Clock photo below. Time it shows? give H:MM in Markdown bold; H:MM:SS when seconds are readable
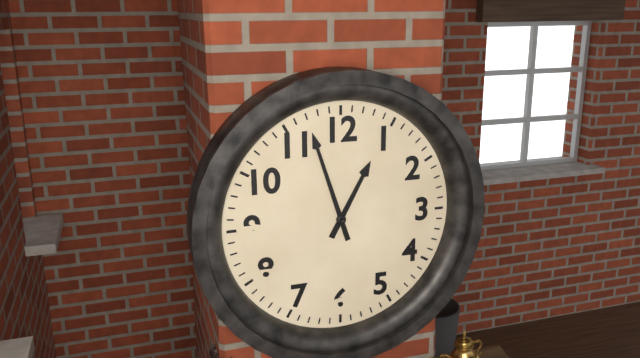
**12:57**
